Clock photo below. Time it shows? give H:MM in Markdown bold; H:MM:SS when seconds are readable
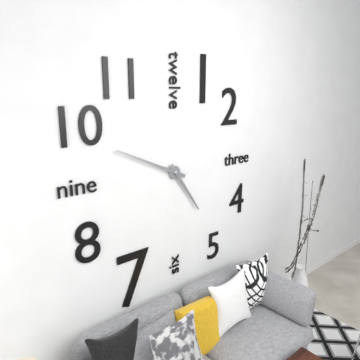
**4:49**
